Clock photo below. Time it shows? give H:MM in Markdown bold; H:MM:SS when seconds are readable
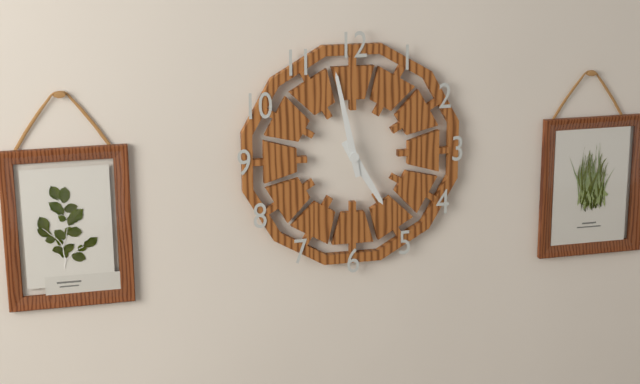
**4:58**
